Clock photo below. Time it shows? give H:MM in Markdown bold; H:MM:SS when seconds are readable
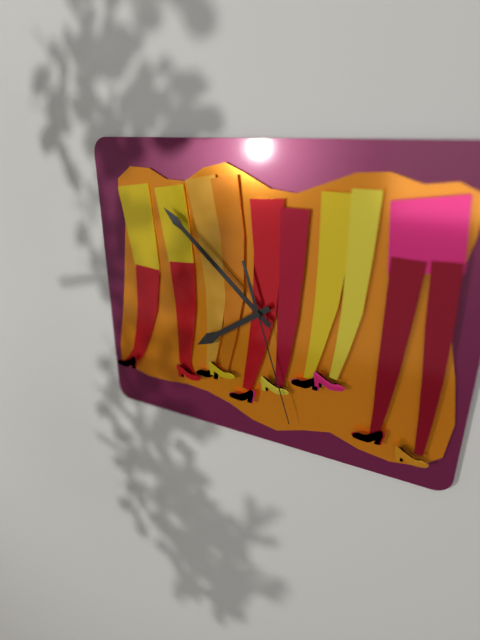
**7:52:27**
